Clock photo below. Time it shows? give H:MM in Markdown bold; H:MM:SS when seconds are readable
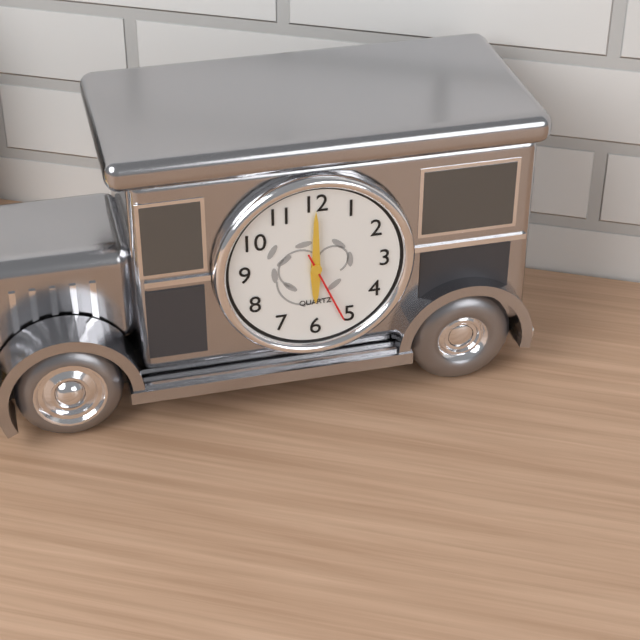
**6:00:26**
